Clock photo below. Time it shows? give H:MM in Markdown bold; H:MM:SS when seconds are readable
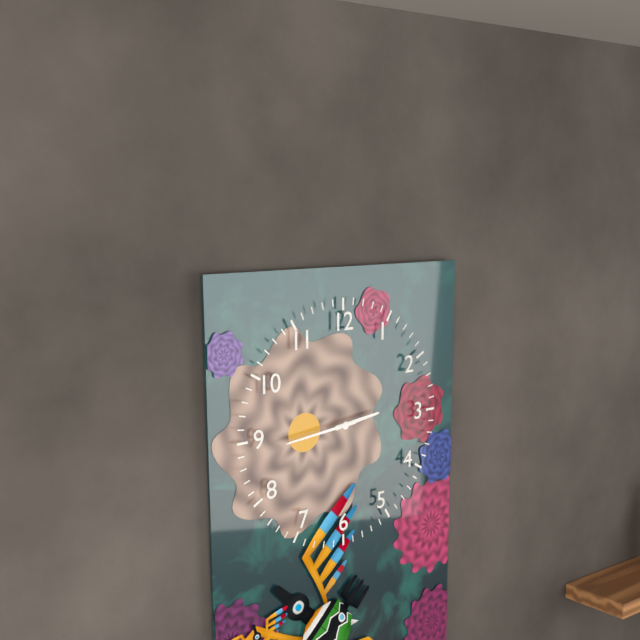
**2:44**
